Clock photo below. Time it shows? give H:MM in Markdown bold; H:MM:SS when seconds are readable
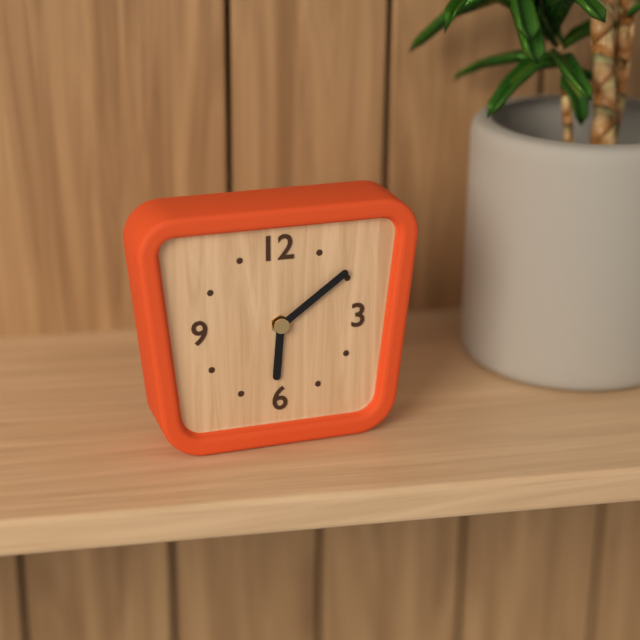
**6:09**
